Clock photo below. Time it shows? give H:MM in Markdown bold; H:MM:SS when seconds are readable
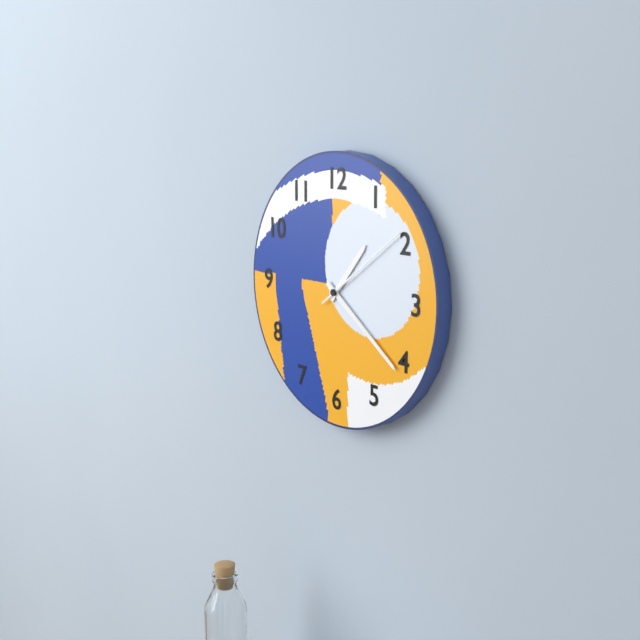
**1:21:09**
